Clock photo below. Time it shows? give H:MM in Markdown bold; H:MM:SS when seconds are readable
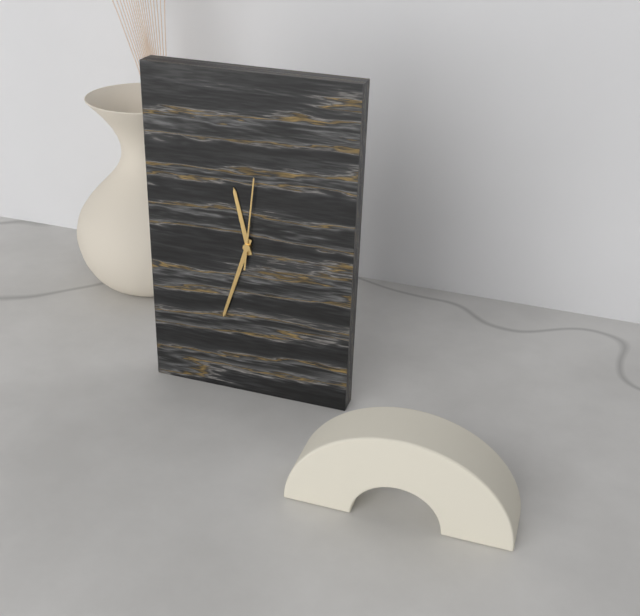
**11:33:01**
